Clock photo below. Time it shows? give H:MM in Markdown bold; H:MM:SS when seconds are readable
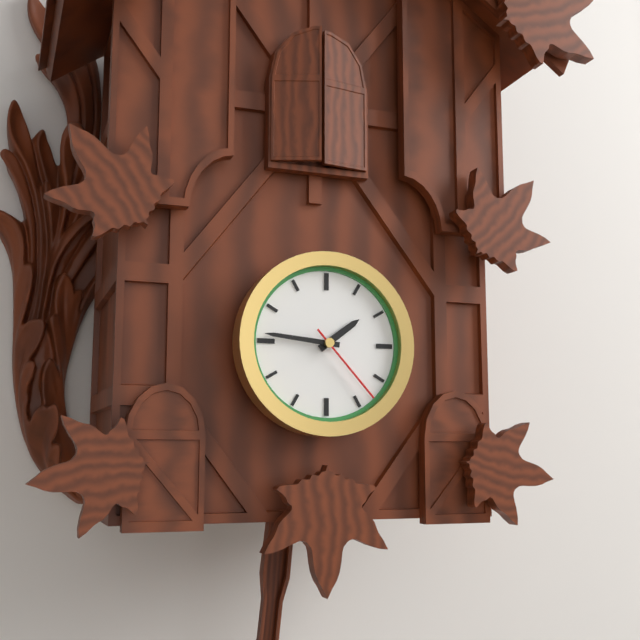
**1:46:23**
